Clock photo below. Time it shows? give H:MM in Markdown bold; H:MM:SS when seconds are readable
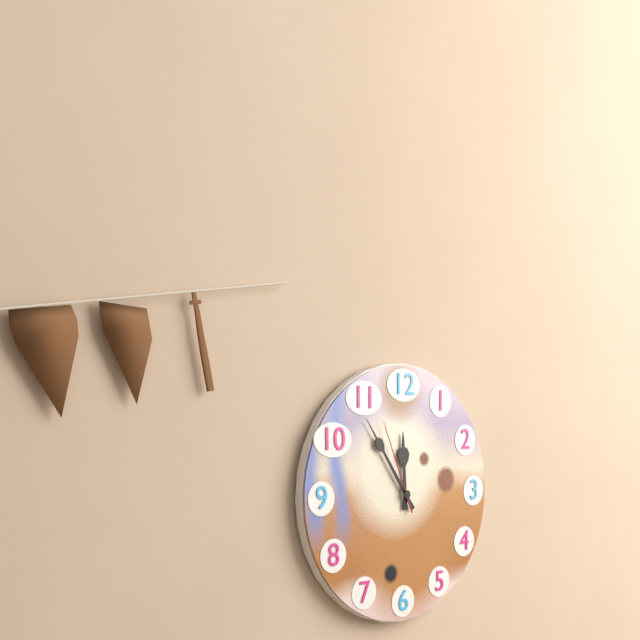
**11:54:56**
